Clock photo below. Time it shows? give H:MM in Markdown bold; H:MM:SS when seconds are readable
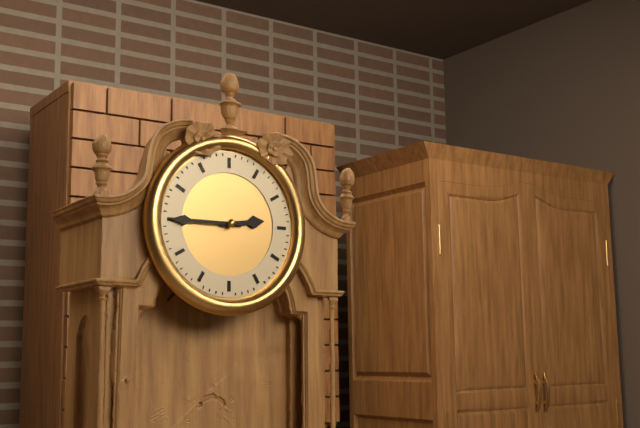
**2:45**
